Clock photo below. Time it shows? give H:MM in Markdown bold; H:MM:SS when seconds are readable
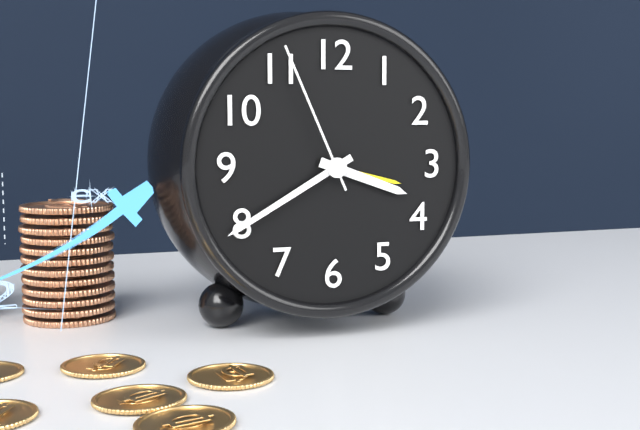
**3:40:56**
